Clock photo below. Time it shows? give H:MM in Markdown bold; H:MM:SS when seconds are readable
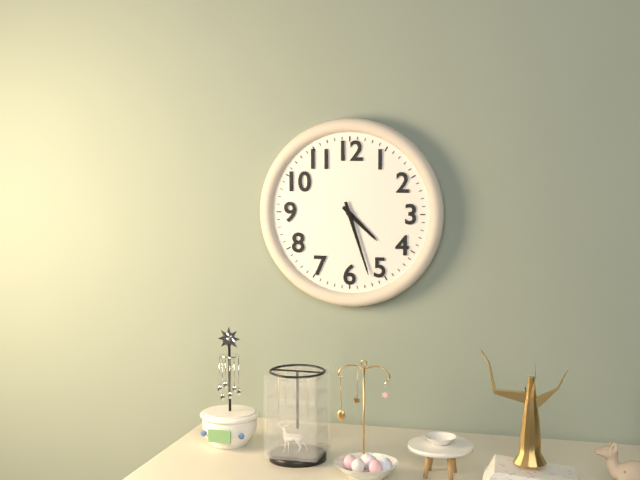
**4:27**
